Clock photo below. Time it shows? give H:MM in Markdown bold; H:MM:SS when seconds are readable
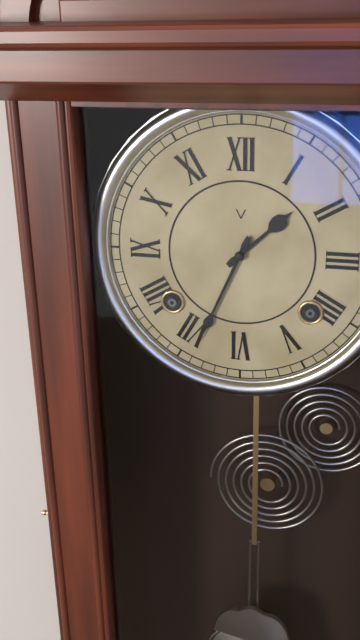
**1:34**
